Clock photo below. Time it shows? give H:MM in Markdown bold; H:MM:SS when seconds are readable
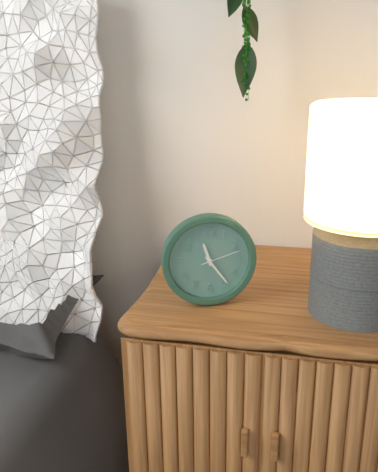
**11:24**
